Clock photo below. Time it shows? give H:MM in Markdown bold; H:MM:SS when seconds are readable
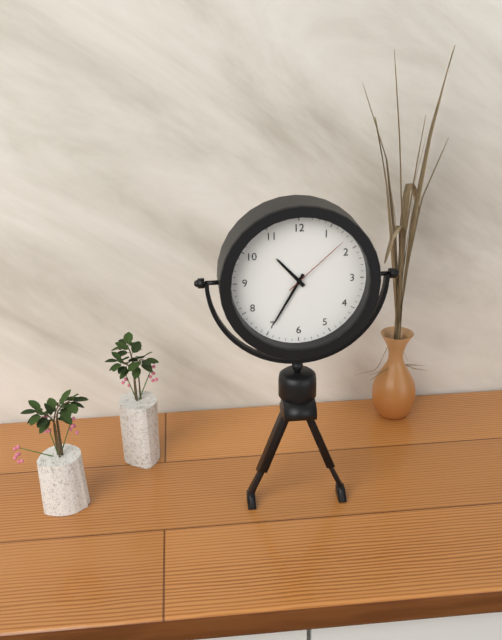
**10:35:08**
